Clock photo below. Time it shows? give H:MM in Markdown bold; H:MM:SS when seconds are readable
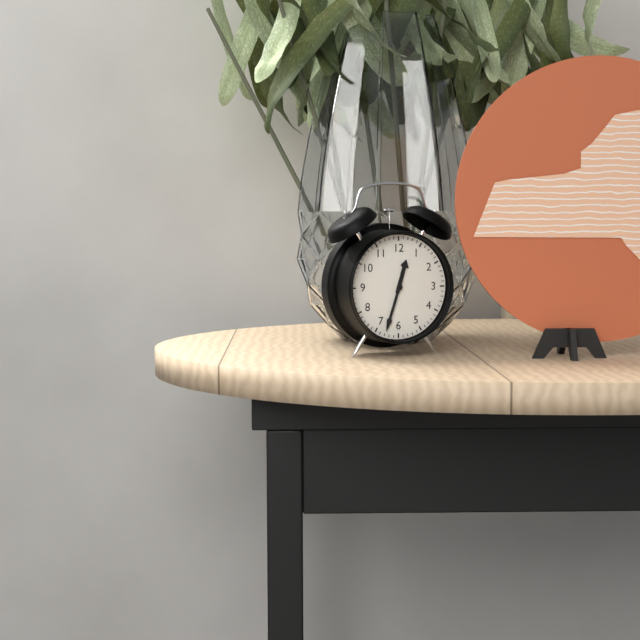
**12:33**
